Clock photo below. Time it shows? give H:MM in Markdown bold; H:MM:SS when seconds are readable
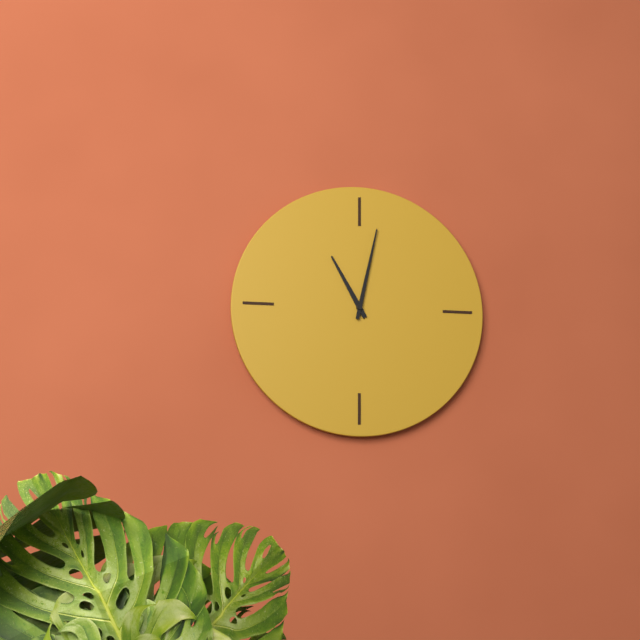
**11:02**
